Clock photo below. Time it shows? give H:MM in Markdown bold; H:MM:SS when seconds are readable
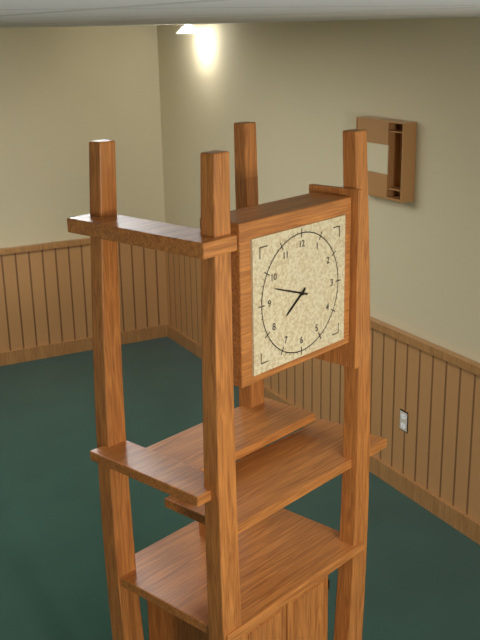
**7:48**
